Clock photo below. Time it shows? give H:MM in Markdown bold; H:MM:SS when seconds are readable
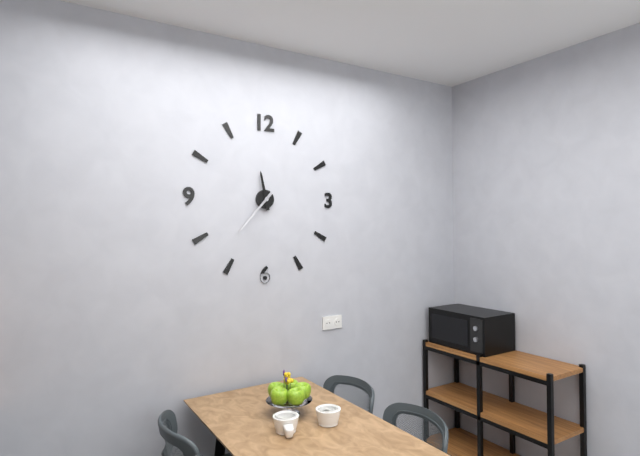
**11:37**
